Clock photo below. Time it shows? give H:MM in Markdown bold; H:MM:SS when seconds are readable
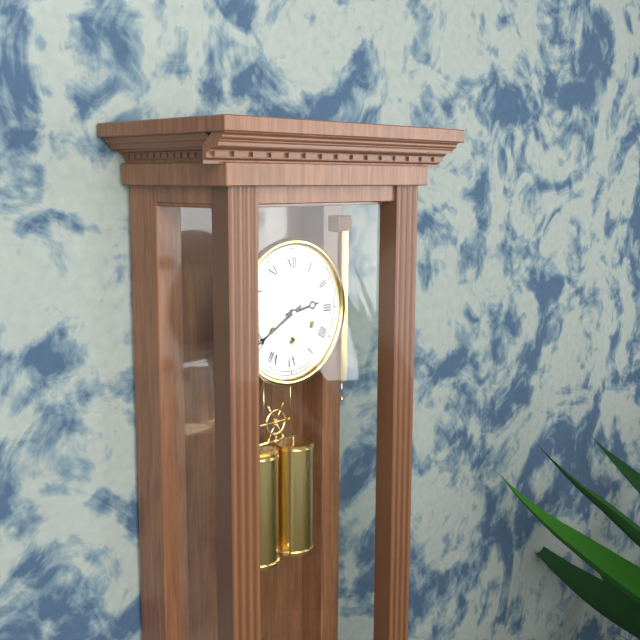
**2:40**
